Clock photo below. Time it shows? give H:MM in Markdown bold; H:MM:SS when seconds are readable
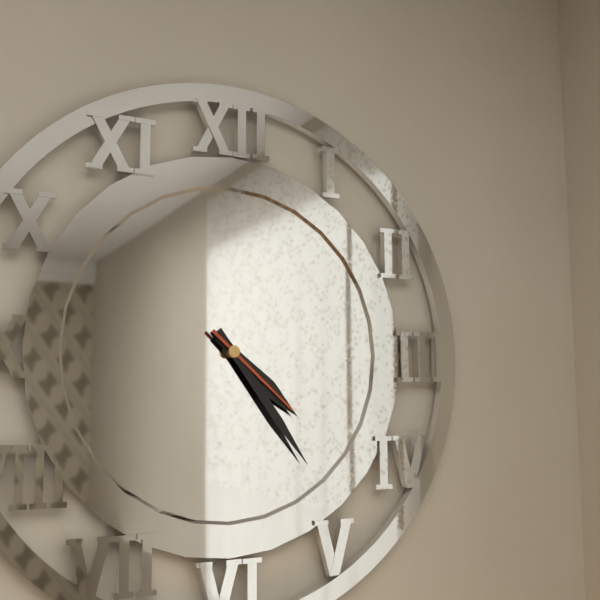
**4:24:22**
